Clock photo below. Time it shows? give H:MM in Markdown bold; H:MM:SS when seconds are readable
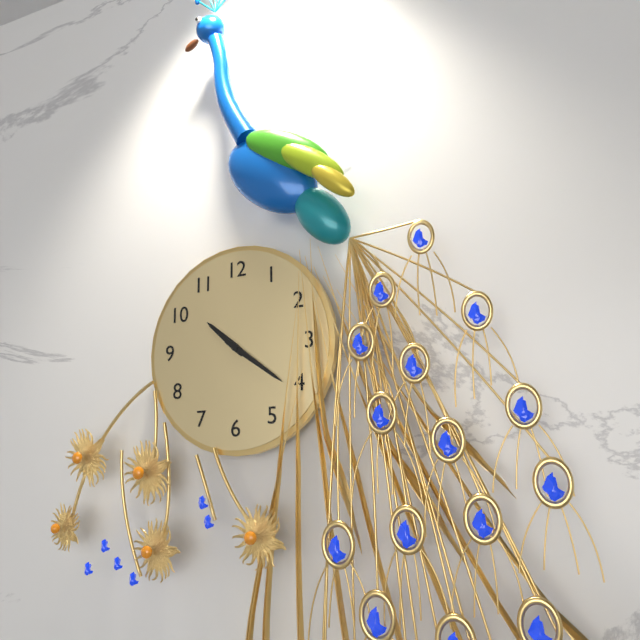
**10:21**
